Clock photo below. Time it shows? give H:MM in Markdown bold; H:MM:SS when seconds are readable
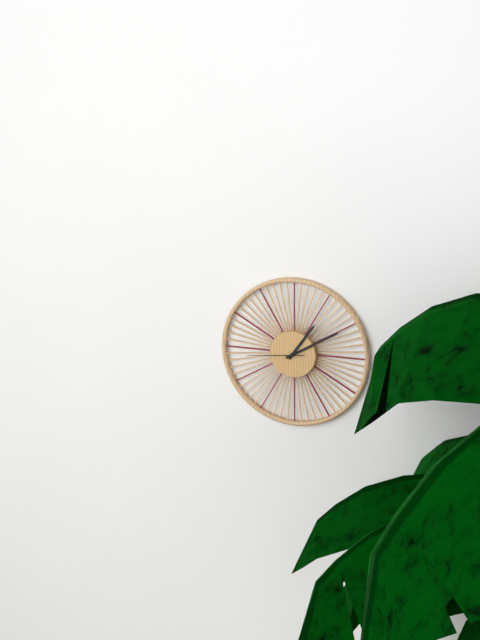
**1:10:44**
